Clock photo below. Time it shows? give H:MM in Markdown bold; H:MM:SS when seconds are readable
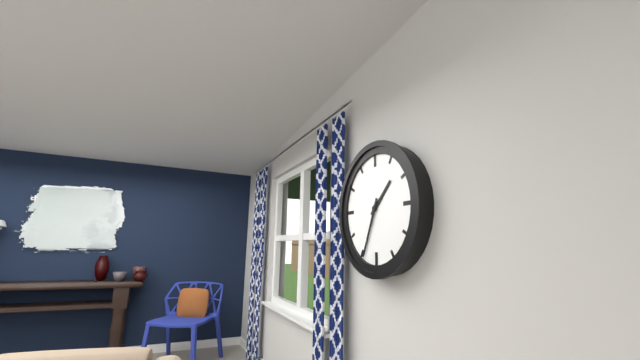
**1:34**
